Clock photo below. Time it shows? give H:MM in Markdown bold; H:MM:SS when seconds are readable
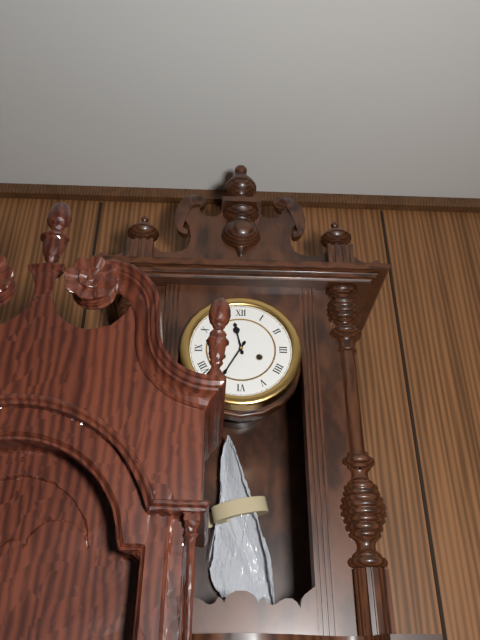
**11:35**
